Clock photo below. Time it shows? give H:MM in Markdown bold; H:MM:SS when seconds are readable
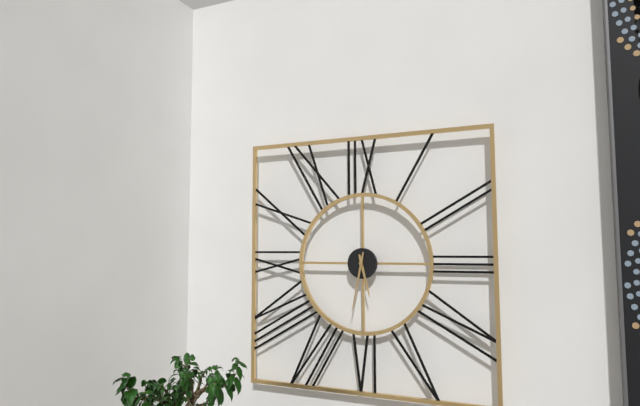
**5:32**
